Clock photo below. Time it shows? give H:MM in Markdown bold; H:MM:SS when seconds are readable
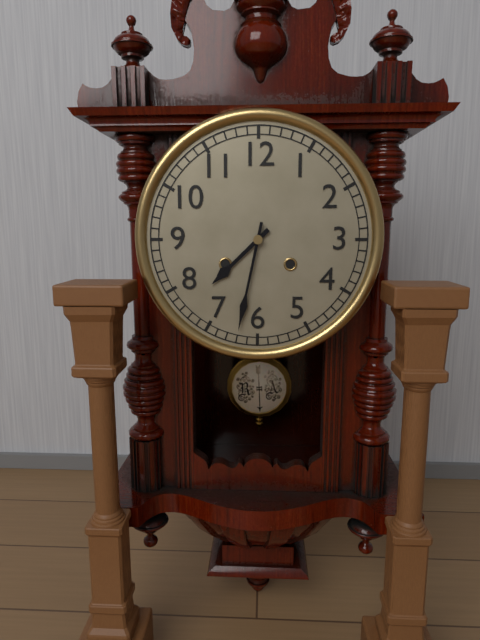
**7:32**
